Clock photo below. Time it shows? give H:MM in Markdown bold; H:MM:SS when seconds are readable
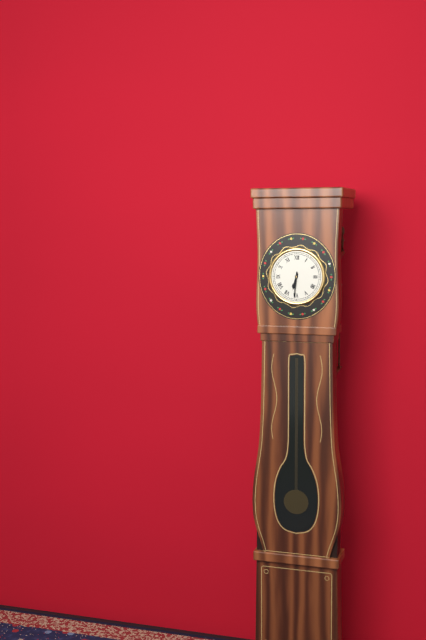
**6:31**
